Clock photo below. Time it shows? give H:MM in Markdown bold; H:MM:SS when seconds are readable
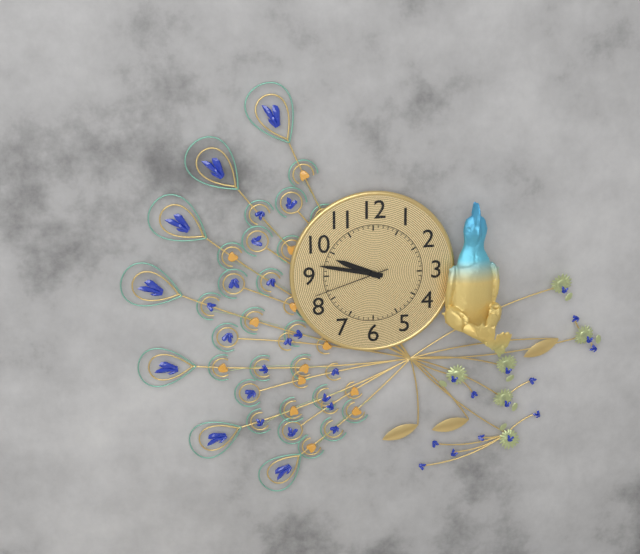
**9:47:42**
